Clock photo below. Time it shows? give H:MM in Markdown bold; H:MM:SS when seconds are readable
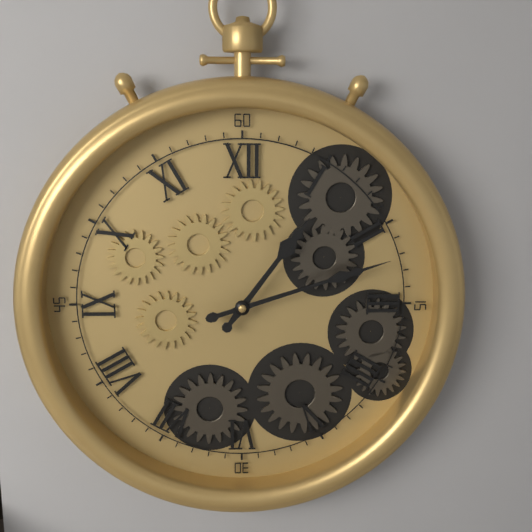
**1:12**
